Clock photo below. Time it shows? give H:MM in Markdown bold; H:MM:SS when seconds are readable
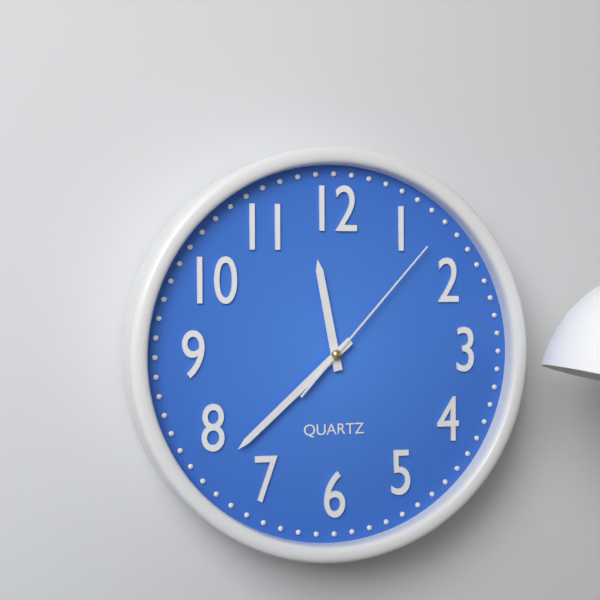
**11:38:07**
